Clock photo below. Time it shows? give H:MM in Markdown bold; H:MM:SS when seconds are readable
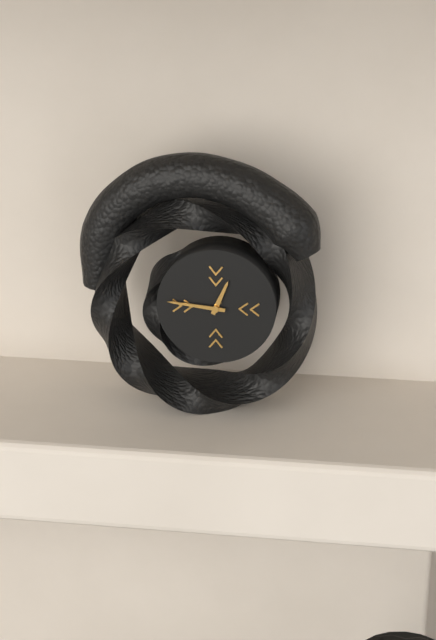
**12:46**
